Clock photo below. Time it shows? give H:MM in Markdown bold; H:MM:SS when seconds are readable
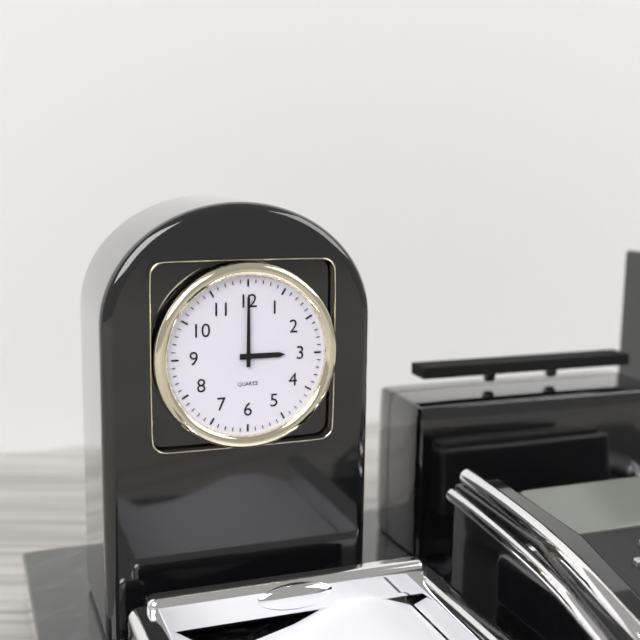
**3:00**
